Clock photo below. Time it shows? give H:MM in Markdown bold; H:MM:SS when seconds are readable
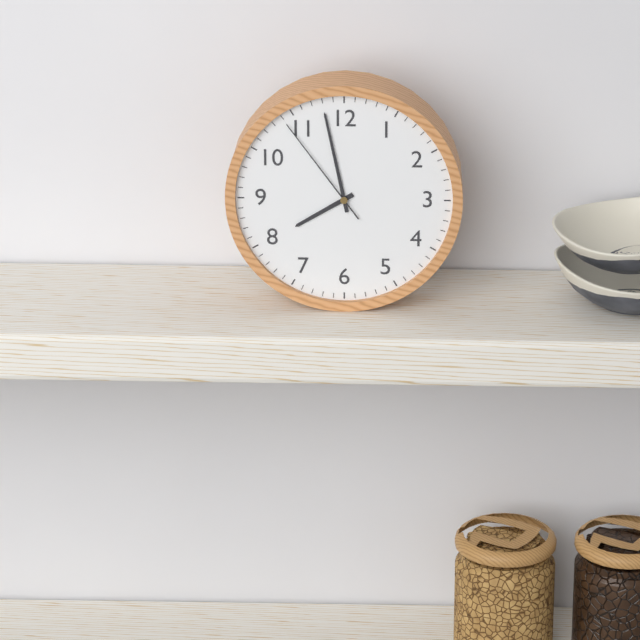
**7:58:54**
